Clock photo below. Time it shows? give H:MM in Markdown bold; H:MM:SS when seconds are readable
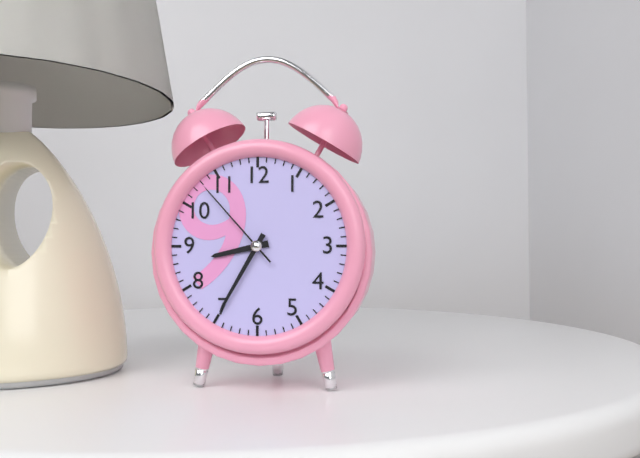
**8:35:53**
